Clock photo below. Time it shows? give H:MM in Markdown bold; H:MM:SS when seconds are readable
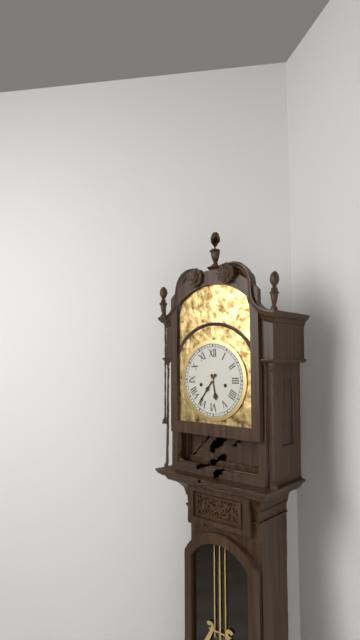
**5:36**
